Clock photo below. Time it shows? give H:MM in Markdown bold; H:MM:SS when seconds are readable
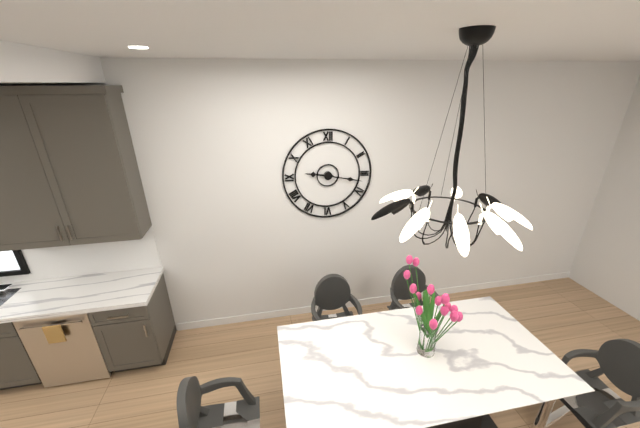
**9:17**
